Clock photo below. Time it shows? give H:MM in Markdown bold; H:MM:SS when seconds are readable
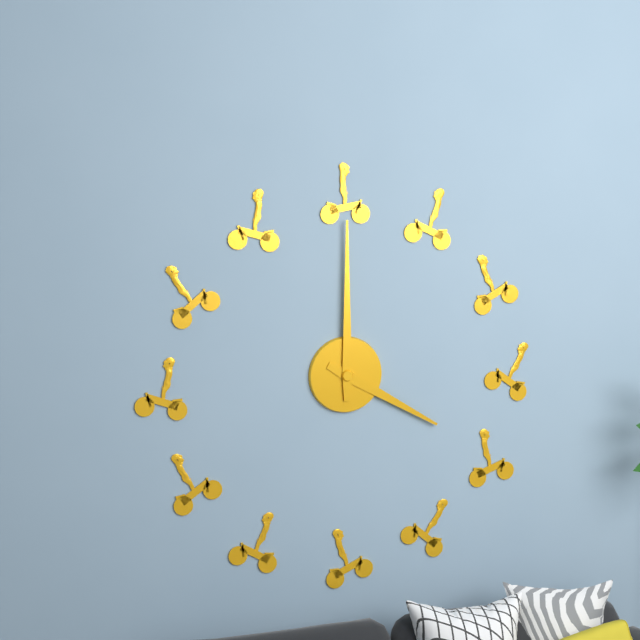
**4:00**
